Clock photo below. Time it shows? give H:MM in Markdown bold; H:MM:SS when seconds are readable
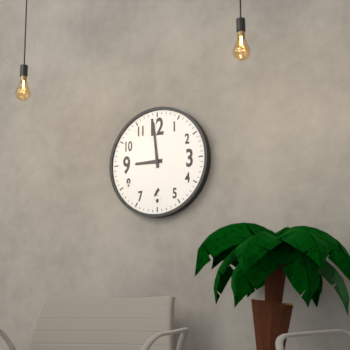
**8:59**
